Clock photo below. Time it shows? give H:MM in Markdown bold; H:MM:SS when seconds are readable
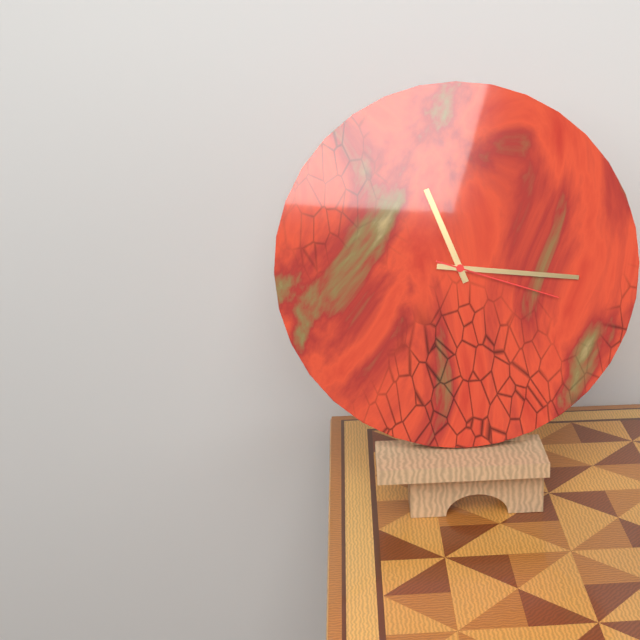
**11:16:18**
